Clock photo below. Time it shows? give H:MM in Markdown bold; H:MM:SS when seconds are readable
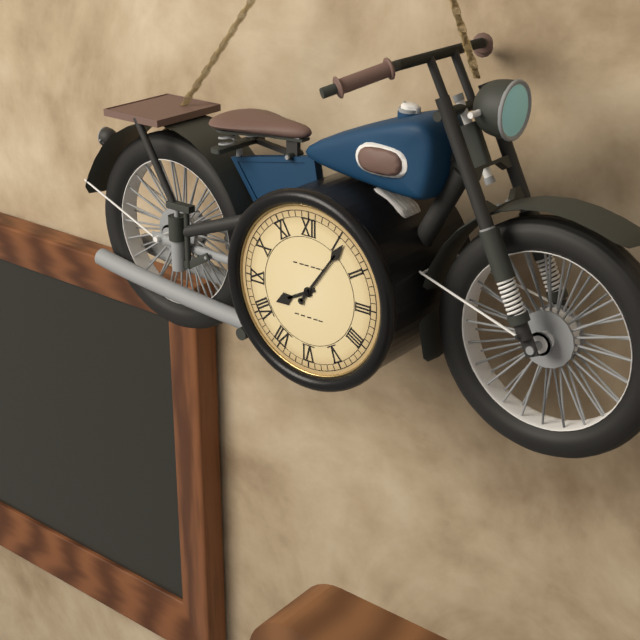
**8:06**
